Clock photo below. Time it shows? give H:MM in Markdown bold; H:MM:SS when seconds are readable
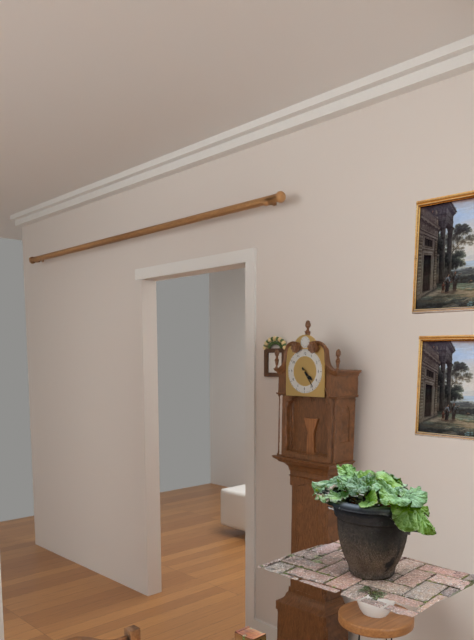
**4:24**
